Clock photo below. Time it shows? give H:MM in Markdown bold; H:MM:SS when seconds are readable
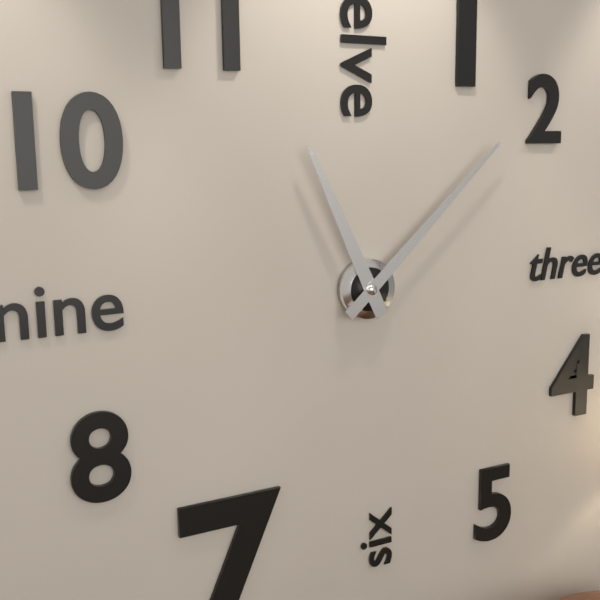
**11:08**
